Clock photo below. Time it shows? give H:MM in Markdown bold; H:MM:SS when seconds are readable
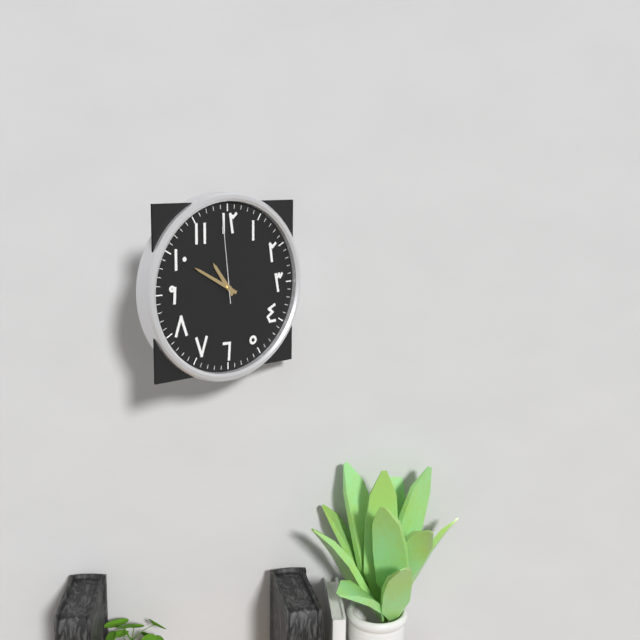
**10:50:59**
